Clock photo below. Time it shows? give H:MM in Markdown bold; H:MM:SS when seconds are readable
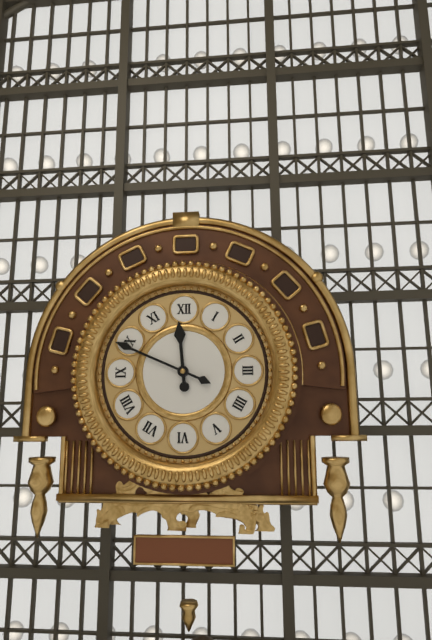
**11:49**
